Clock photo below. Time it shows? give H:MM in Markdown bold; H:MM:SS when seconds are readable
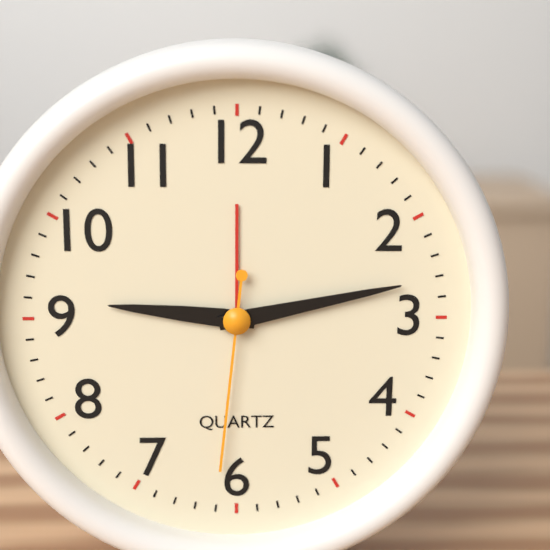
**9:13:31**
